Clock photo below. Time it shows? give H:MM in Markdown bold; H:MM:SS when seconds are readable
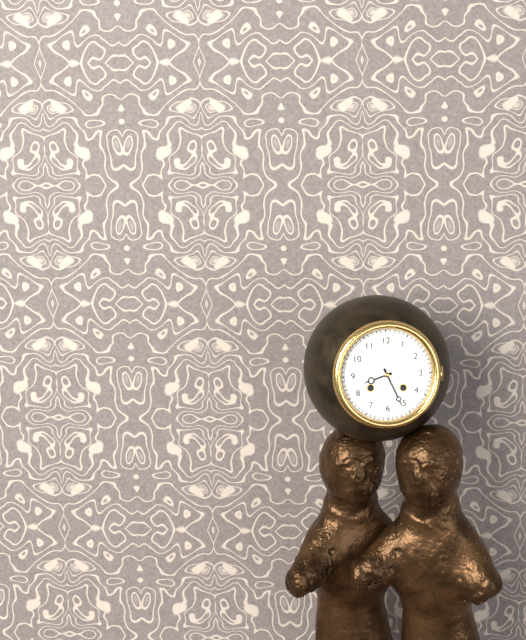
**8:26**
